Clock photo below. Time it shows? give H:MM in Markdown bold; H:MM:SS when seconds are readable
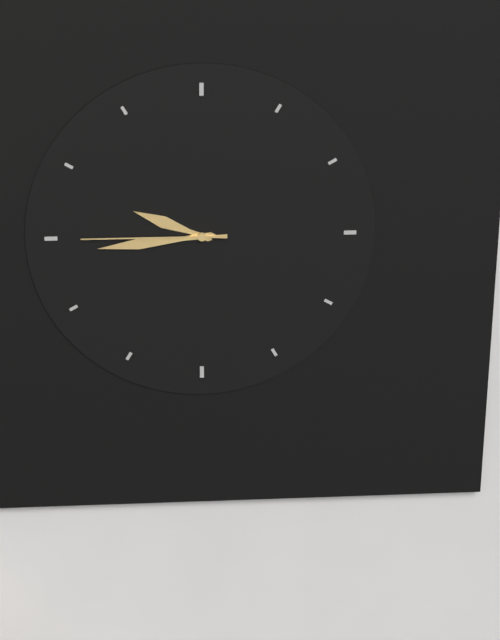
**9:44:45**
